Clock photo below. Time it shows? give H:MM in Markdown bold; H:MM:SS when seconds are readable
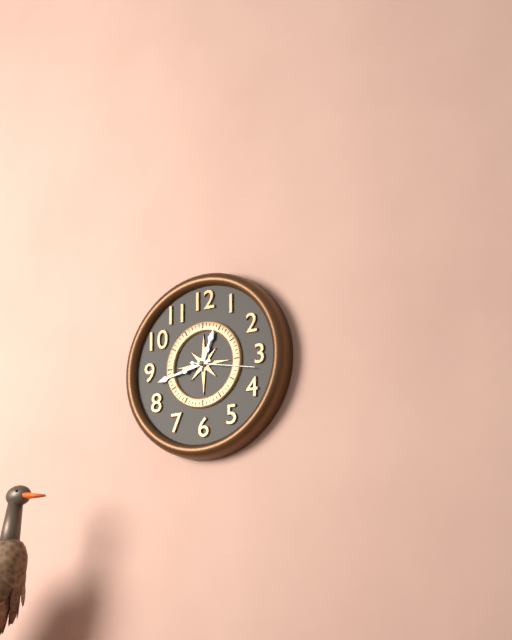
**12:43:17**
